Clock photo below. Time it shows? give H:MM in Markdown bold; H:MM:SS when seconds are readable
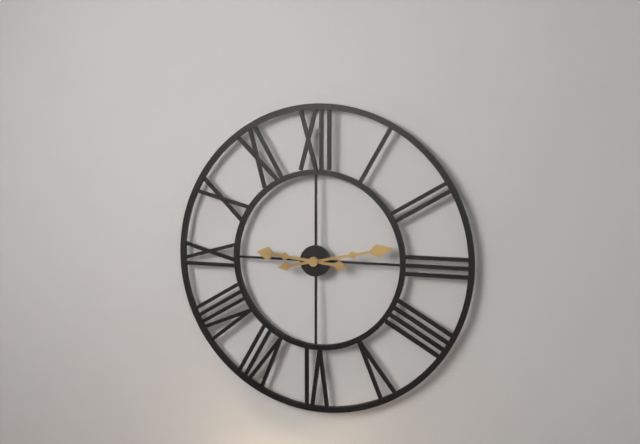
**9:13**
